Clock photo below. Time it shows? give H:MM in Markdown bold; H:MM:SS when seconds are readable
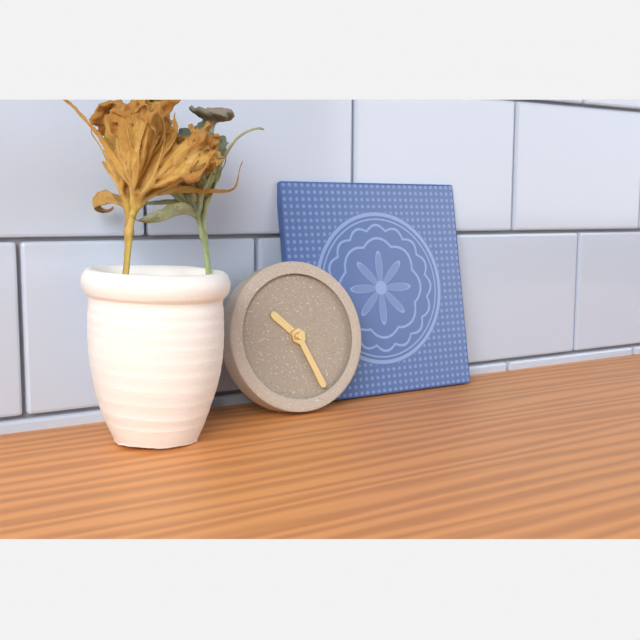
**10:26**
